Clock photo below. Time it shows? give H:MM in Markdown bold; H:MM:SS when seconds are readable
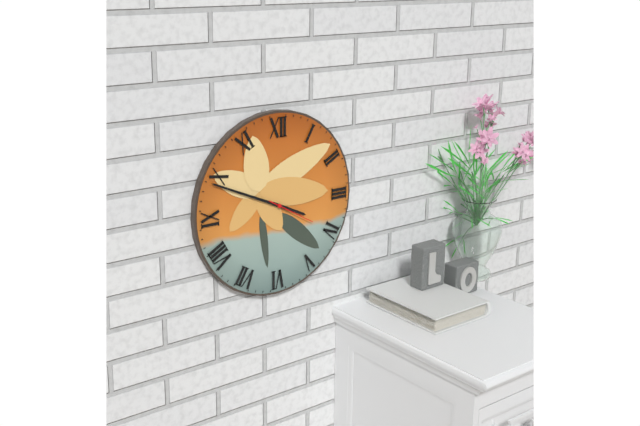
**3:49**
